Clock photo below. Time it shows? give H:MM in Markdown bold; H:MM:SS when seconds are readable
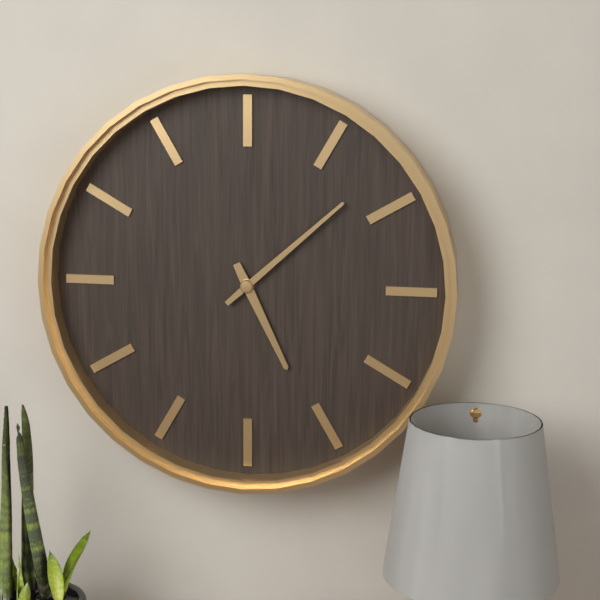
**5:08**
